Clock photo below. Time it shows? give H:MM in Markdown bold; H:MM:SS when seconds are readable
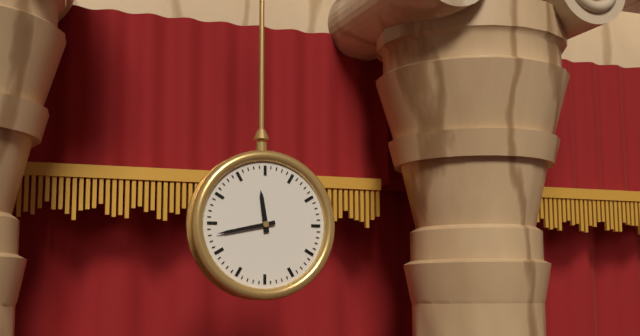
**11:43**
